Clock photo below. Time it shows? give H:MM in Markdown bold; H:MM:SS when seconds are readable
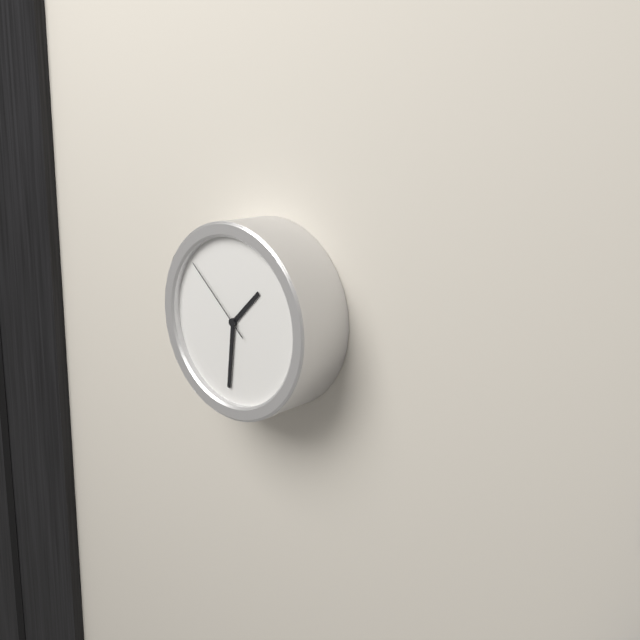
**1:31:52**
